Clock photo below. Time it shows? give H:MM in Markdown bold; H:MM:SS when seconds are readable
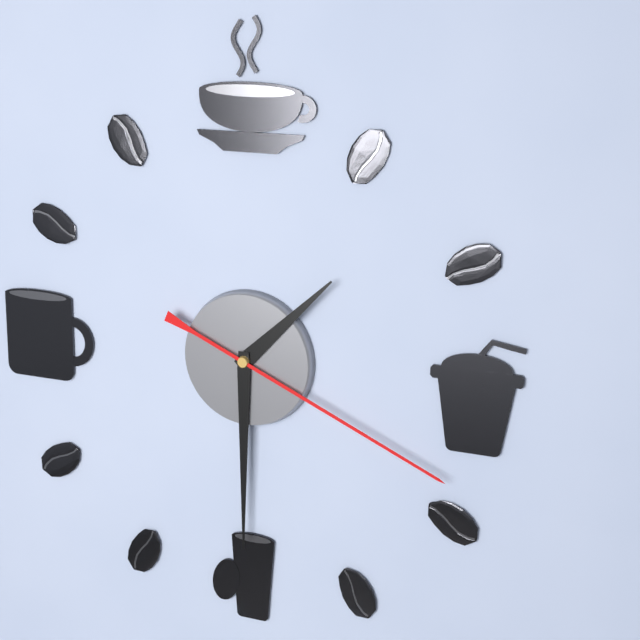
**1:30:19**
